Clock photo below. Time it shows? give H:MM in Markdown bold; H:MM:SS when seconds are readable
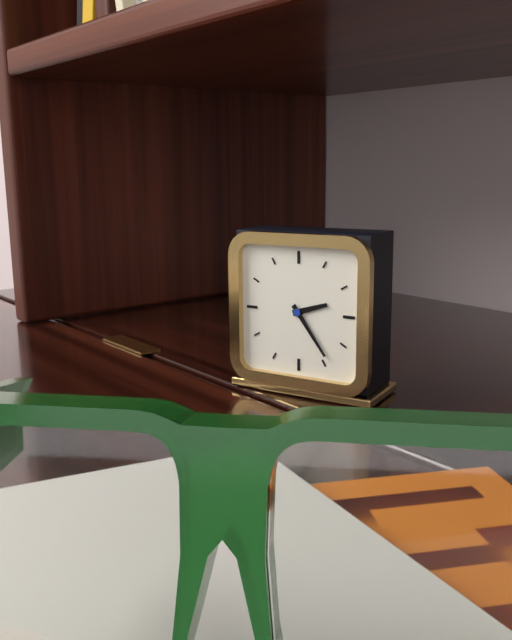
**2:24**
